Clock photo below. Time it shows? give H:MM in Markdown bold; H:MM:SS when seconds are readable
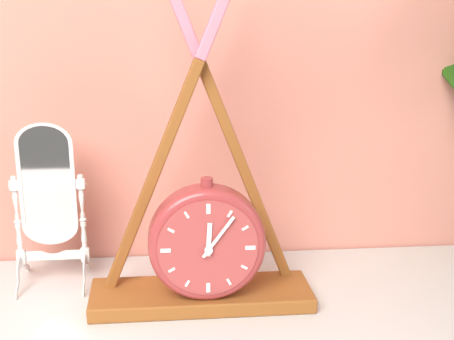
**12:06**
